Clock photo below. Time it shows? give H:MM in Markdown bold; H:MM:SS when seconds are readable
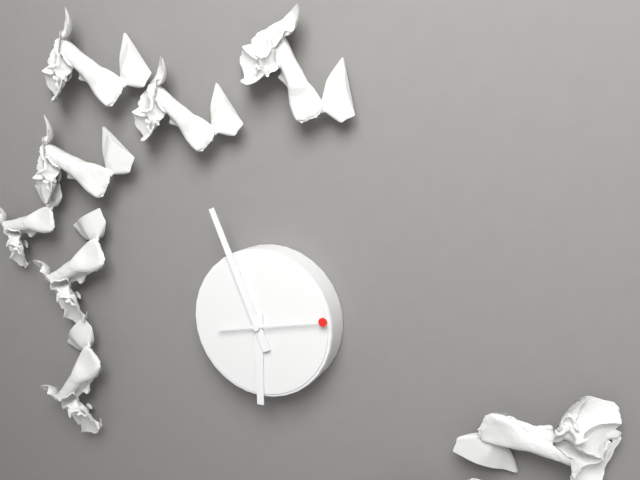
**5:56:13**
